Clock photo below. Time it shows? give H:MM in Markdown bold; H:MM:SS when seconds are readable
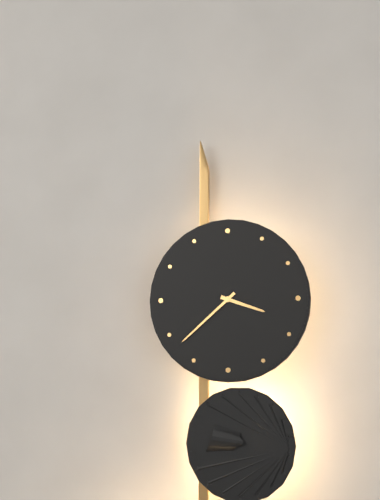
**3:38**
